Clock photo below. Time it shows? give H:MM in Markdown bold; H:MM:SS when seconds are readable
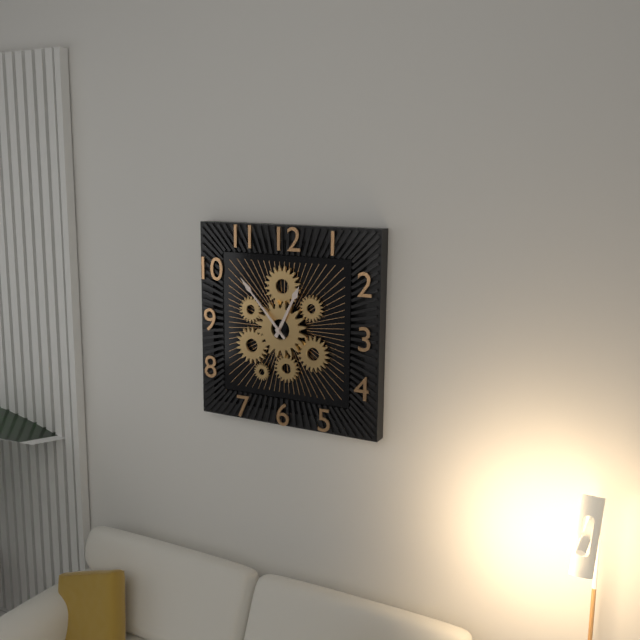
**12:53**
